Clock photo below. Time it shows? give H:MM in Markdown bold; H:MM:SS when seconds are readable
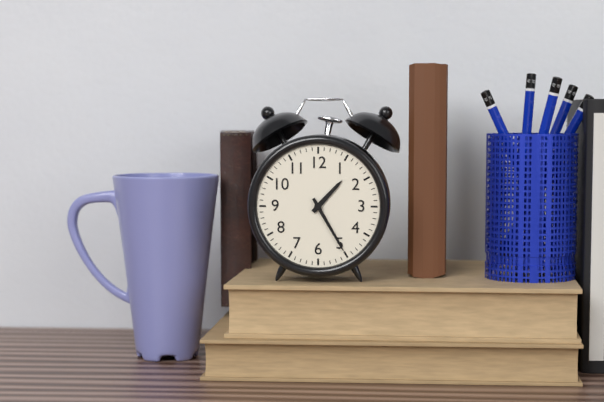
**1:25**
